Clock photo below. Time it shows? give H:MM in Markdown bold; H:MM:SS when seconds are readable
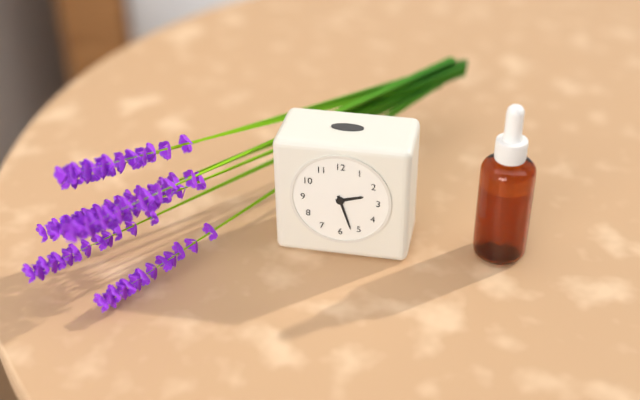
**2:27**
